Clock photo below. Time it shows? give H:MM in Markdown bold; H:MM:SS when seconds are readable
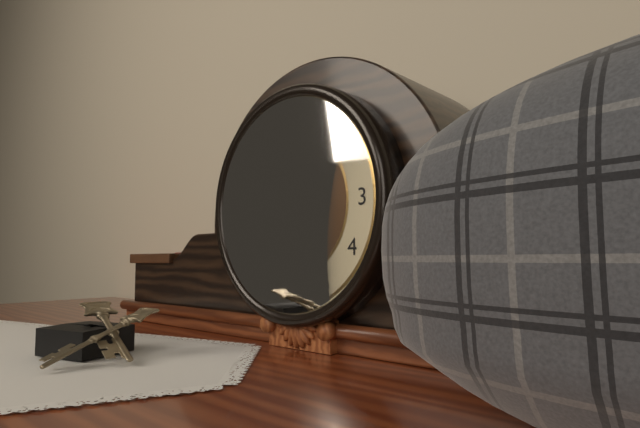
**12:39**
